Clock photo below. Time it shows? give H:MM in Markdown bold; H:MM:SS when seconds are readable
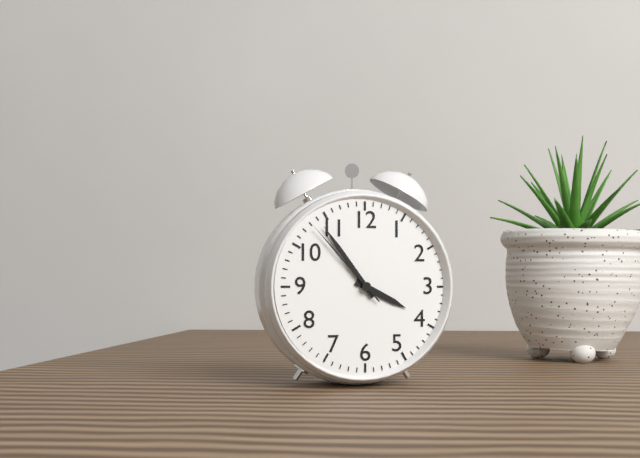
**3:54:53**
